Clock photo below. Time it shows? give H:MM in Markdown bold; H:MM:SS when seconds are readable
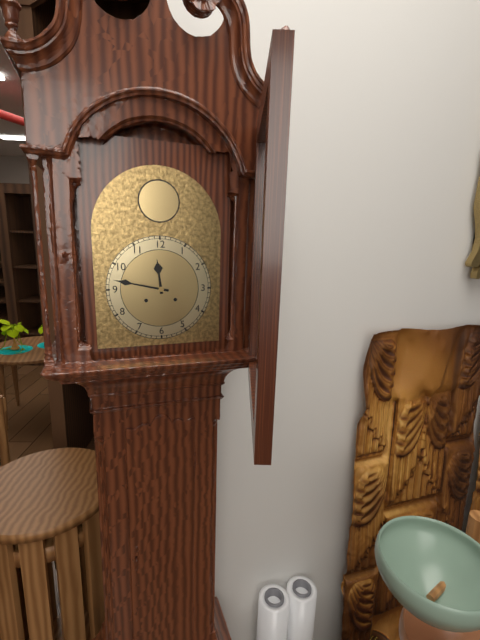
**11:47**
